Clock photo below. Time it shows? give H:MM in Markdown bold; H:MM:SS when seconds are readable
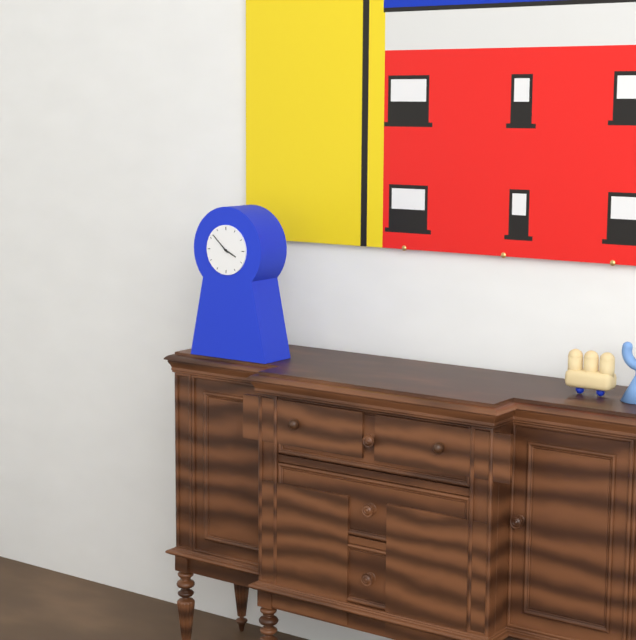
**3:52**
